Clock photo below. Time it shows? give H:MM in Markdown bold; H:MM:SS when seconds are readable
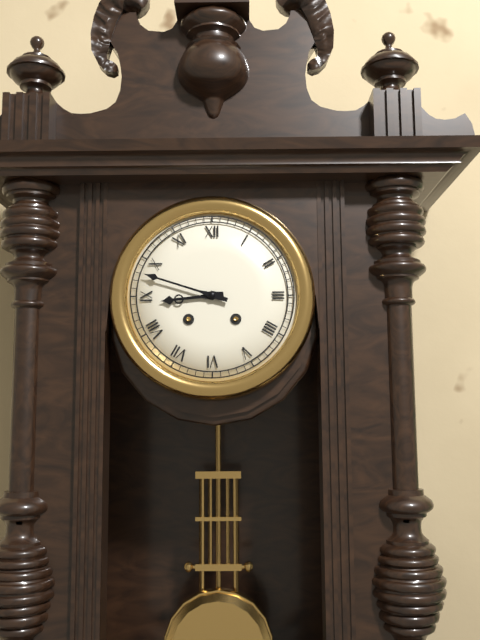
**8:48**
